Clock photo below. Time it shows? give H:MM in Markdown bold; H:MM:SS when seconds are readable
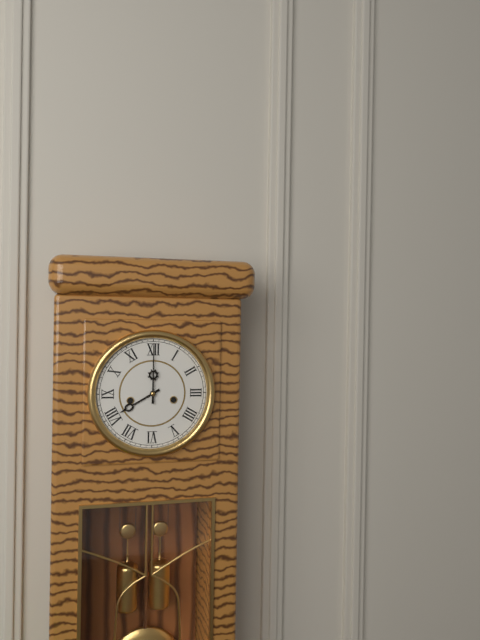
**8:00**
